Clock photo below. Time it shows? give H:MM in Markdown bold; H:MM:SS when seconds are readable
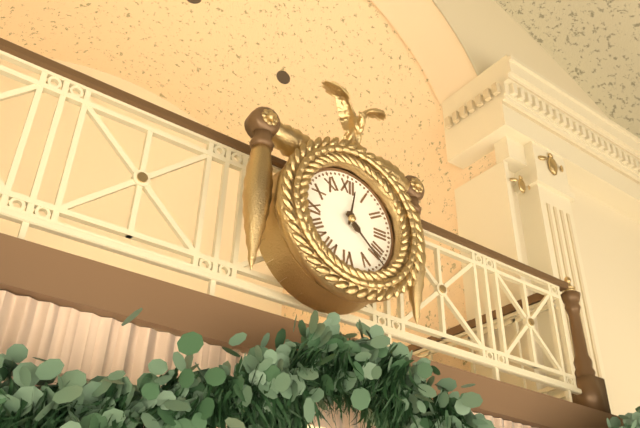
**12:22**
